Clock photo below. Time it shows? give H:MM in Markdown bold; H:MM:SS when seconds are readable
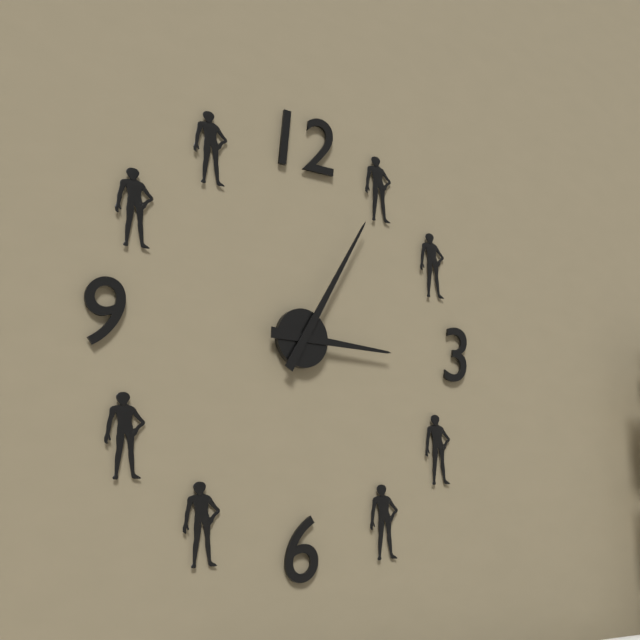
**3:05**
